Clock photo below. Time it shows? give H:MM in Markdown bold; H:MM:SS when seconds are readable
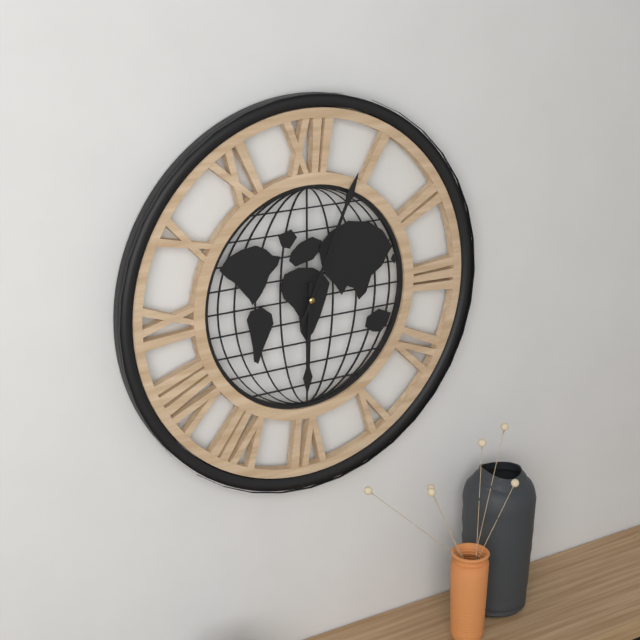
**6:04**
